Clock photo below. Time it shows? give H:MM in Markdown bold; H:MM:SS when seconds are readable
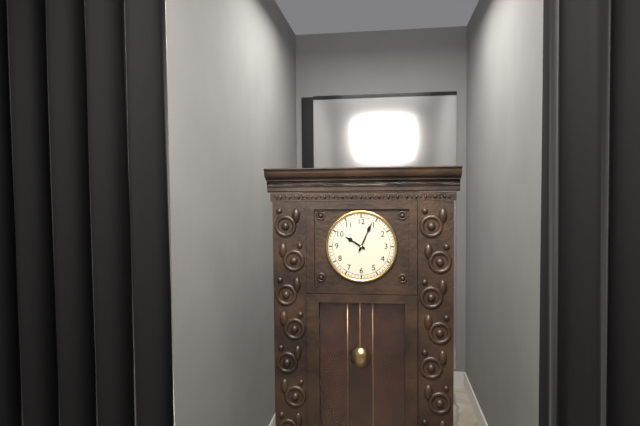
**10:04**
